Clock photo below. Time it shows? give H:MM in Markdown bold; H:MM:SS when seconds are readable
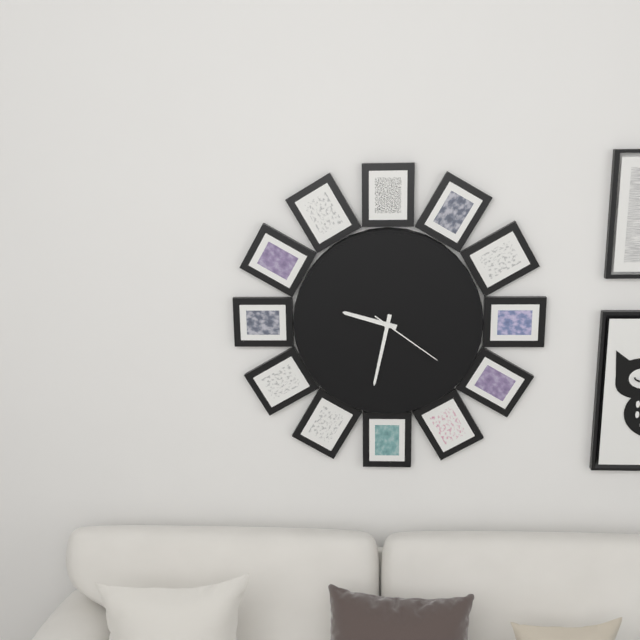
**9:32:21**
